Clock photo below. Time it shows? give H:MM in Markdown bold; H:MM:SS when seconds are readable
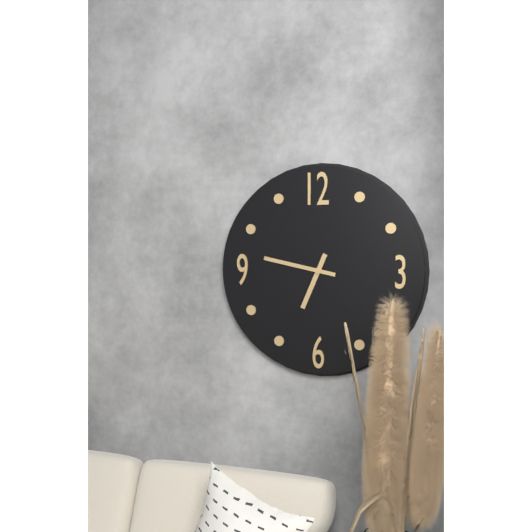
**6:47**
